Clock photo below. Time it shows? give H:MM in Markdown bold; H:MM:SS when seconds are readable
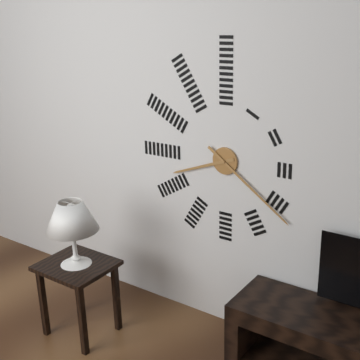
**8:21**
